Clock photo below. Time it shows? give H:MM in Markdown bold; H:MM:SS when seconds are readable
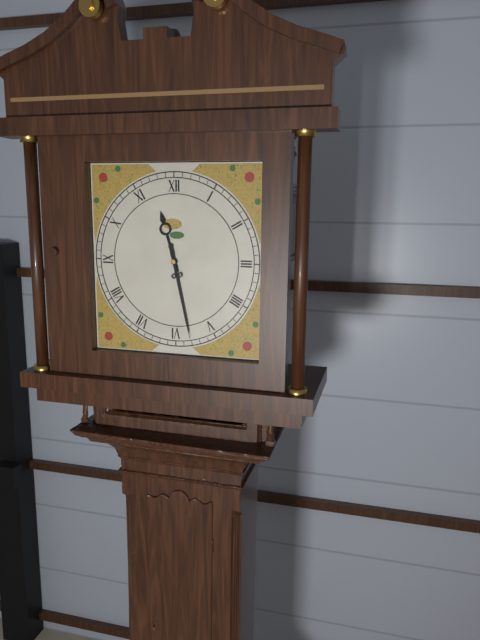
**11:28**
